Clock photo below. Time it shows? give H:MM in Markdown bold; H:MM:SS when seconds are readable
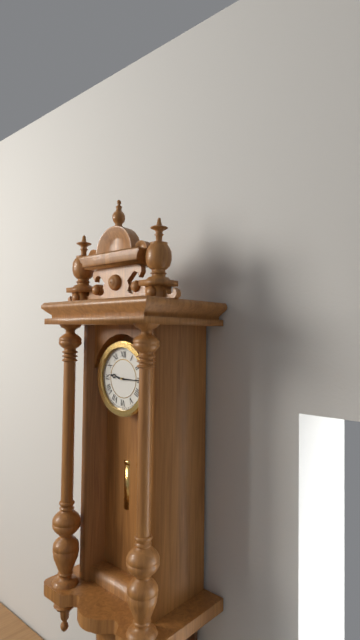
**9:15**
